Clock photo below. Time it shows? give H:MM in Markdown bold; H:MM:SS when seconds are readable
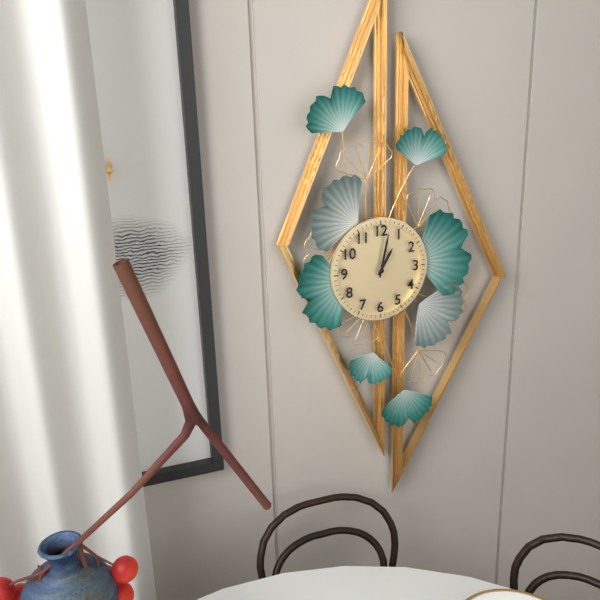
**1:02**
